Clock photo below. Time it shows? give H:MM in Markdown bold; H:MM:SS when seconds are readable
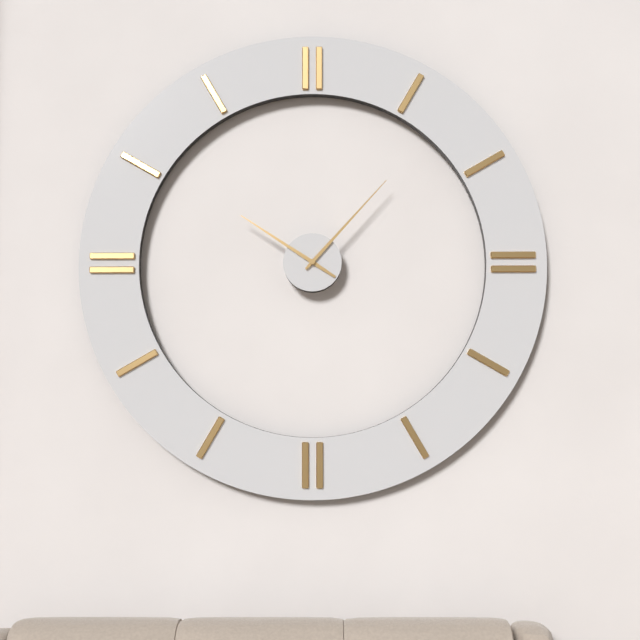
**10:07**
